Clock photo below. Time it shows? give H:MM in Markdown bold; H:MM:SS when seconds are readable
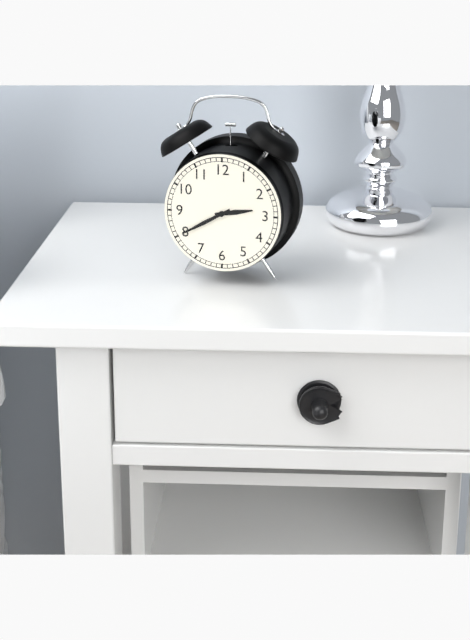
**2:40**
